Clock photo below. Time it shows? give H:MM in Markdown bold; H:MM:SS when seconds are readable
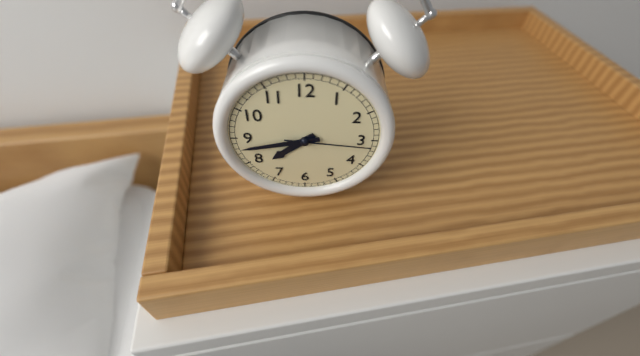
**7:43:16**
